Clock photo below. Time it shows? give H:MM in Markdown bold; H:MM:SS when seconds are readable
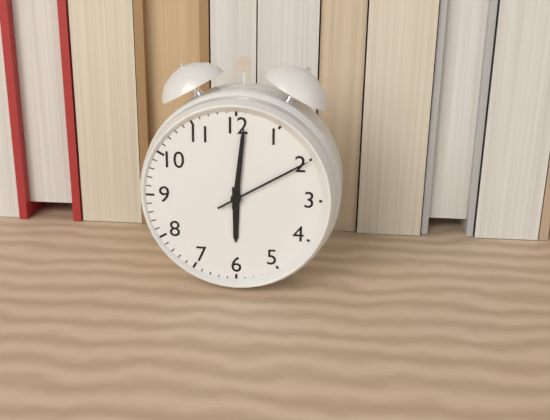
**6:01:10**
